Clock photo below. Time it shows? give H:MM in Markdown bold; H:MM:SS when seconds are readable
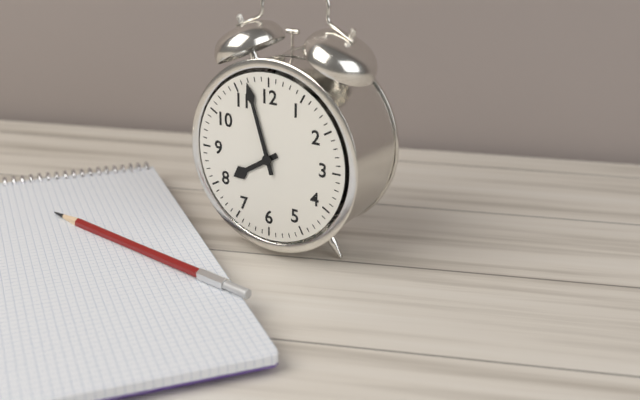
**7:57**
